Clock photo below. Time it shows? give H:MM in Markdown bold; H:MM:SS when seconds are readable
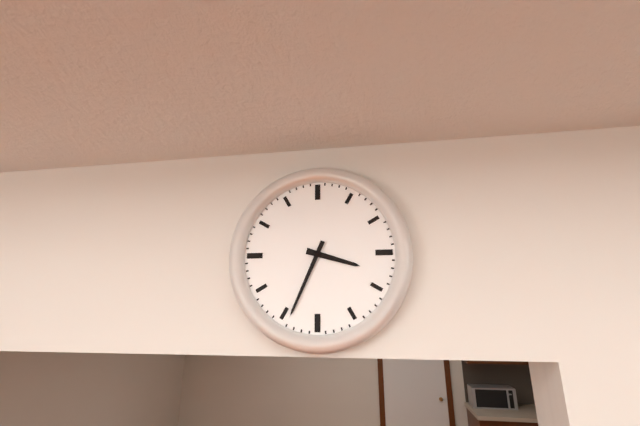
**3:34**
